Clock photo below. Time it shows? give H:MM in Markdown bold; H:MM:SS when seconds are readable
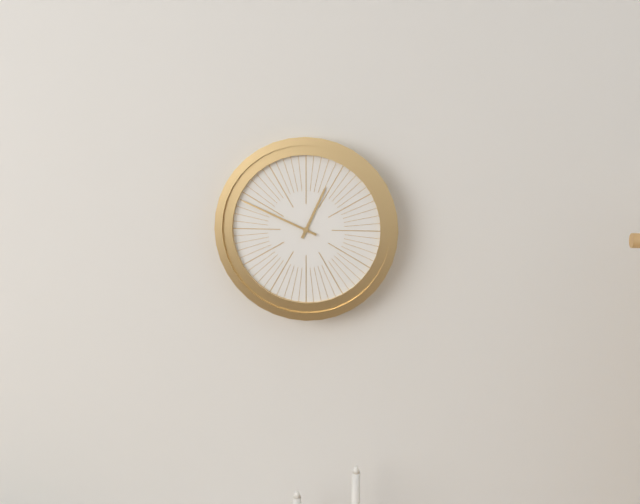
**12:49**
